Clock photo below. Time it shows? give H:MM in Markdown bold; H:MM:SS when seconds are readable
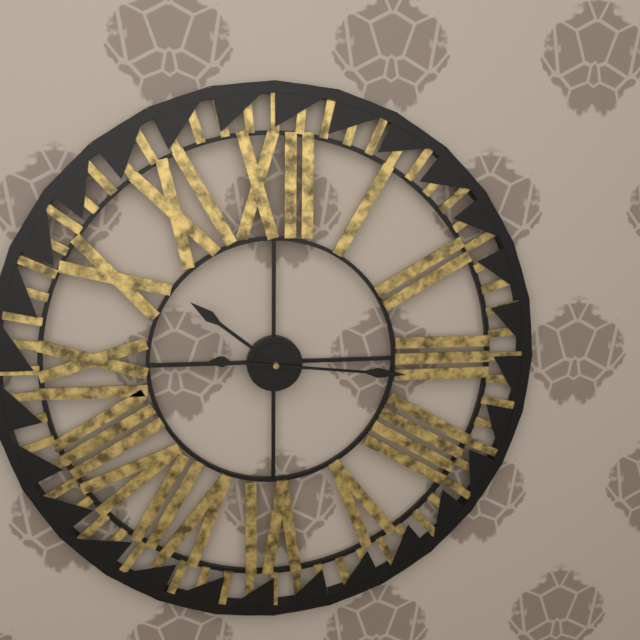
**10:16**
